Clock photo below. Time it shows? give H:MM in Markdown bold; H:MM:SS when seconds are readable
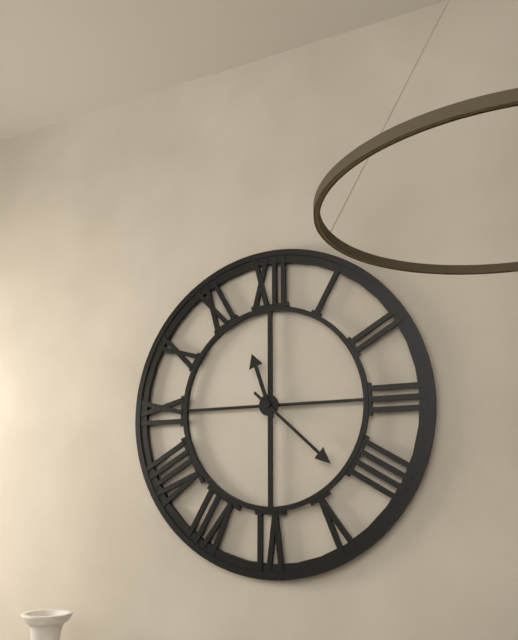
**11:22**
